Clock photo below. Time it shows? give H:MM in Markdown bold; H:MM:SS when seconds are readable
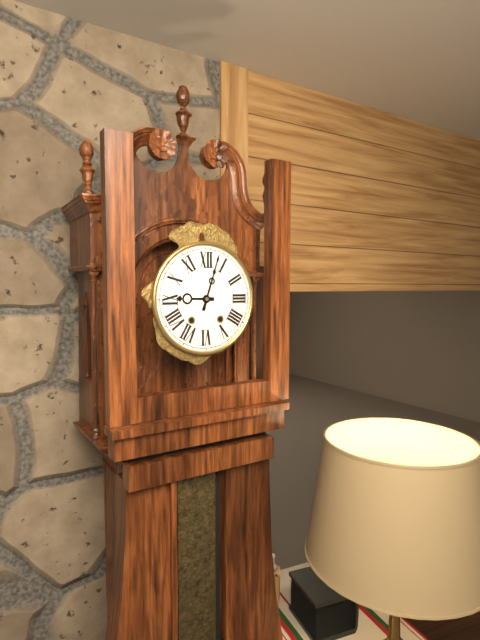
**9:03**
